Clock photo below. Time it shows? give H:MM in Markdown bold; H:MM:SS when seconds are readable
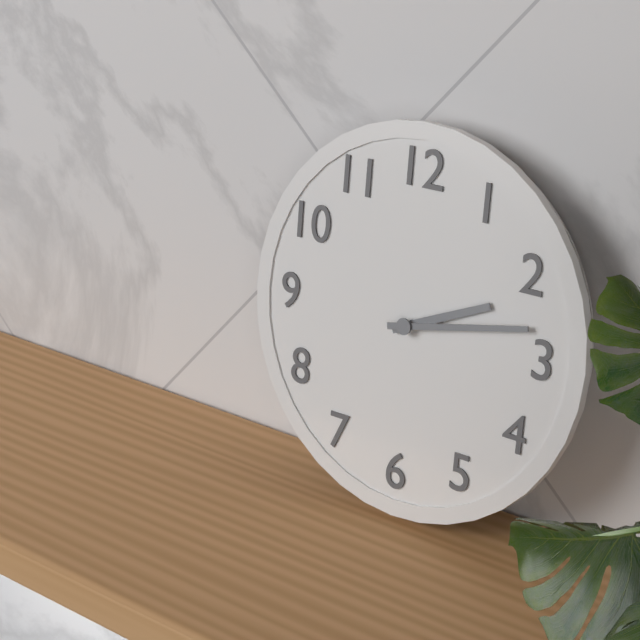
**2:13**
